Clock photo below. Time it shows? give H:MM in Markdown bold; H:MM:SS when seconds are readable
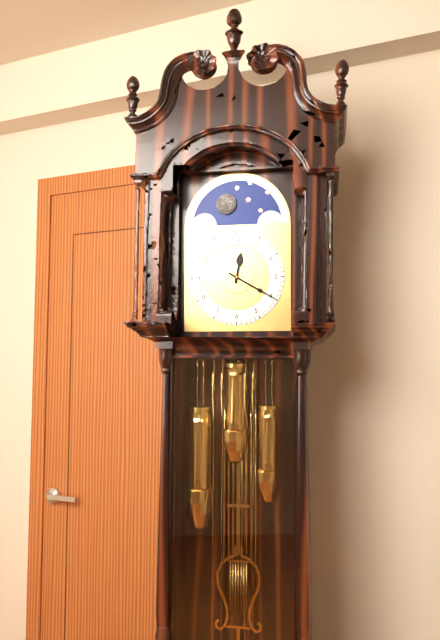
**12:20**
